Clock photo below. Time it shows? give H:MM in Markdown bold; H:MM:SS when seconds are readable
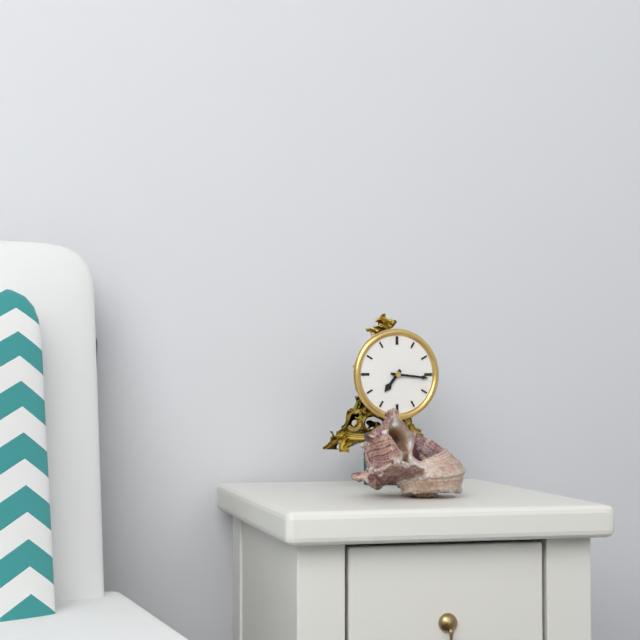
**7:16**
